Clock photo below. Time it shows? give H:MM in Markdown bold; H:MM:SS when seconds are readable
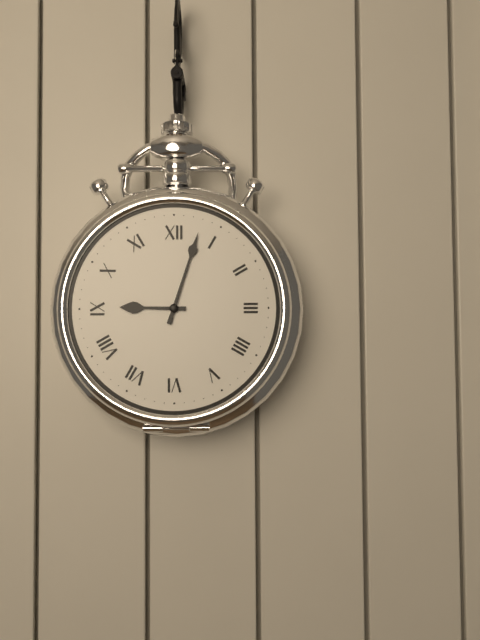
**9:03**
